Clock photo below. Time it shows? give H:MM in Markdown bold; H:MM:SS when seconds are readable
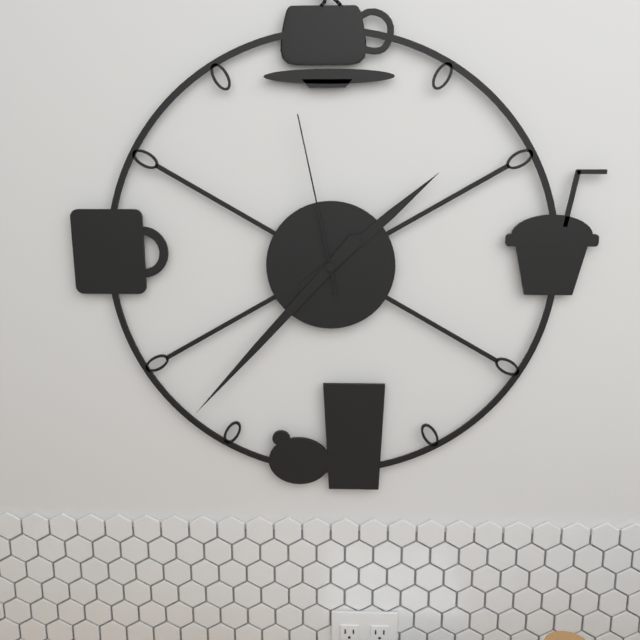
**1:37:58**
